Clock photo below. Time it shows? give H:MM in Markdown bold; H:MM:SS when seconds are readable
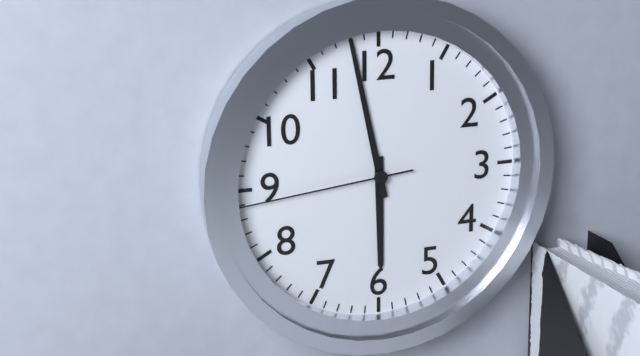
**5:58:44**
